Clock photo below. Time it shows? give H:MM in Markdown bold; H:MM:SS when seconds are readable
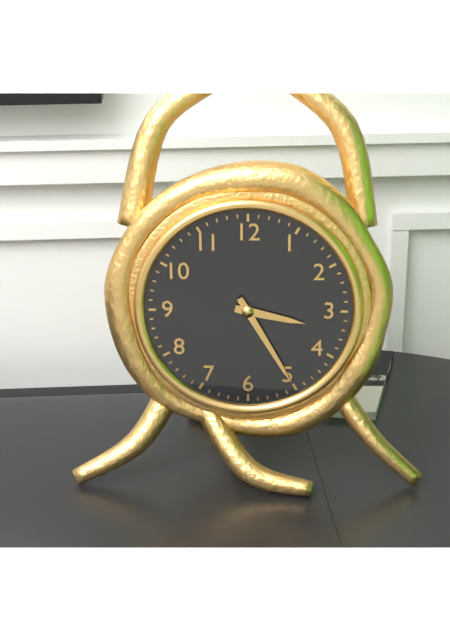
**3:25**
